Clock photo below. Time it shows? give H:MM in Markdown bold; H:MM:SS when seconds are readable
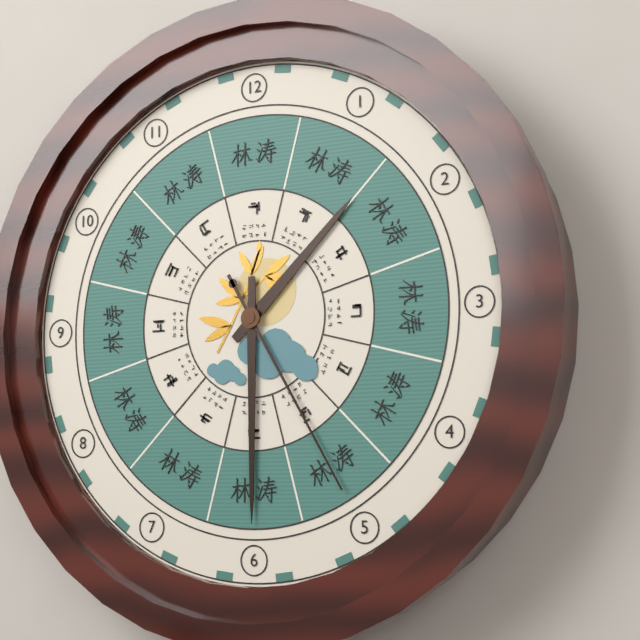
**1:30:25**
